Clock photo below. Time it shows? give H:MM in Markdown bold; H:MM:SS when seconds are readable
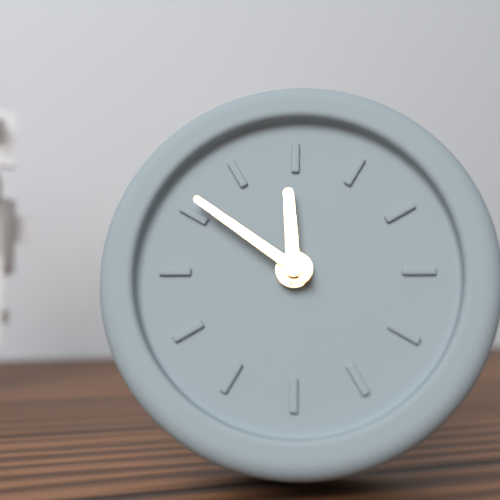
**11:51**
